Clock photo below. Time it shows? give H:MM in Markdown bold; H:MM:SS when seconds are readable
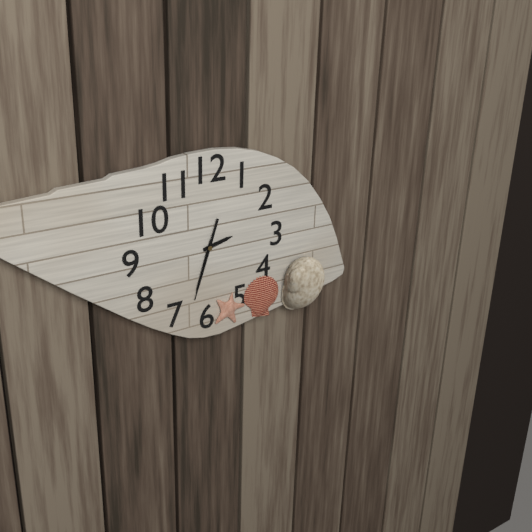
**2:33:33**
